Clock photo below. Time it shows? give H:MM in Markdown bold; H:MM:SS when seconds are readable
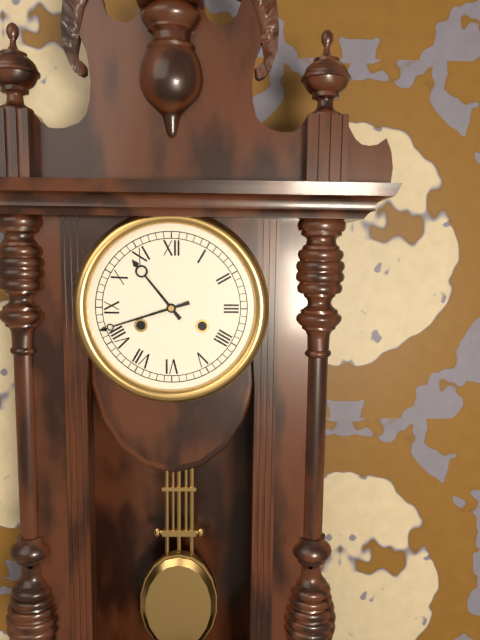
**10:42**
